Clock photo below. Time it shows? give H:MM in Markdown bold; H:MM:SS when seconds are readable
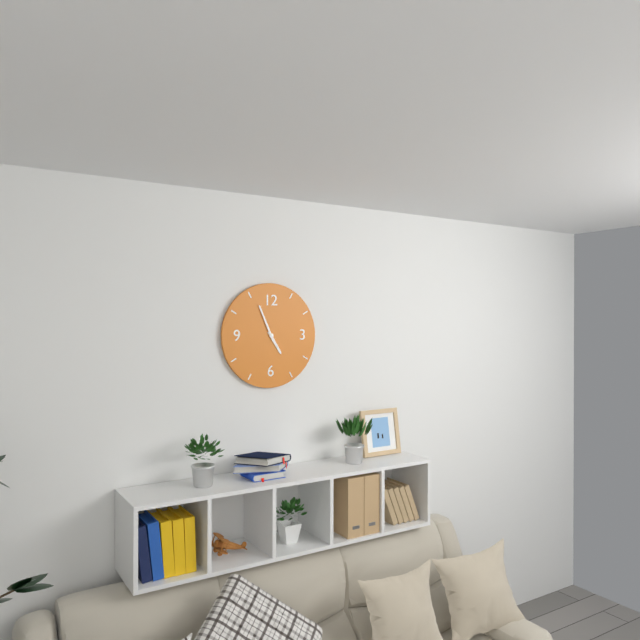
**4:56**
